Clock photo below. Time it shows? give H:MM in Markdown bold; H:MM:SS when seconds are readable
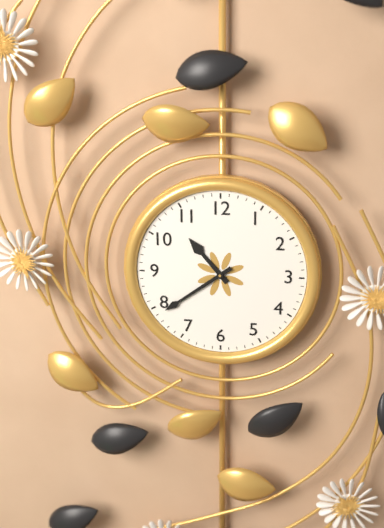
**10:39**
